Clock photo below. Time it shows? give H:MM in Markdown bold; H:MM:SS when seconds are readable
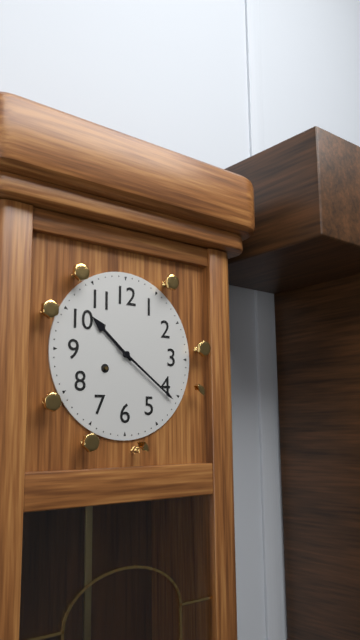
**10:21**
